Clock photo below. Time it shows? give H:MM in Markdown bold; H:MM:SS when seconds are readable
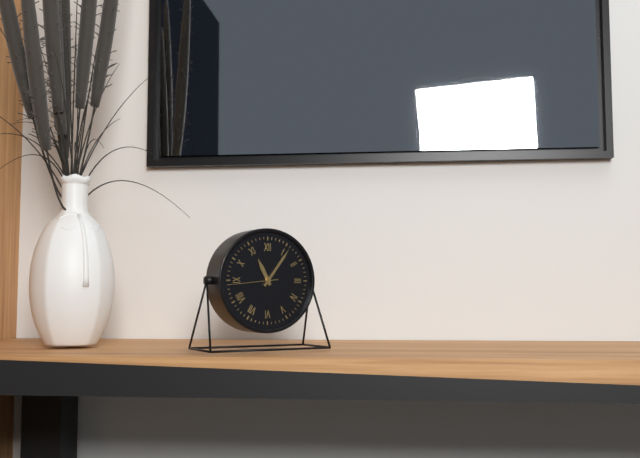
**11:06**
